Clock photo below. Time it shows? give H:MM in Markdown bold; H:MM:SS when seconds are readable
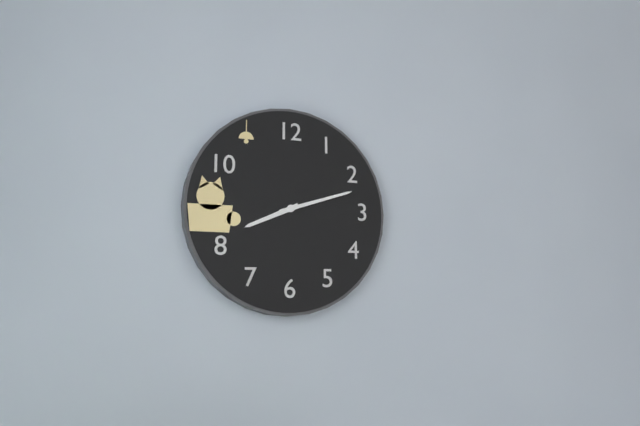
**8:12**
